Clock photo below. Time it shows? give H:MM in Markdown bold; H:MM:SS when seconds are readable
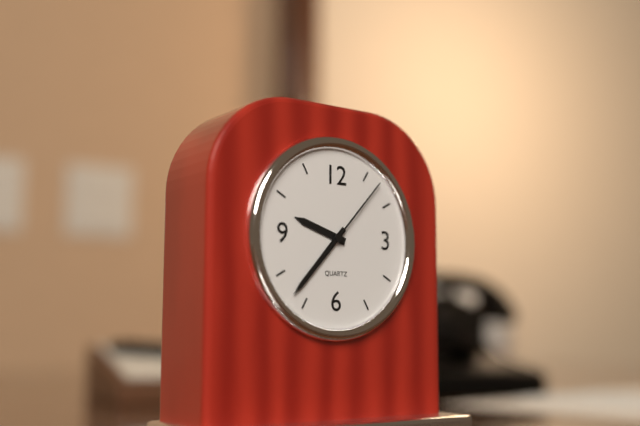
**9:37:07**
